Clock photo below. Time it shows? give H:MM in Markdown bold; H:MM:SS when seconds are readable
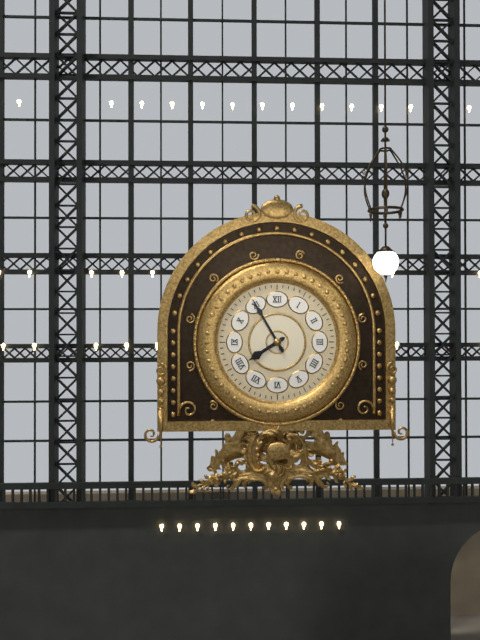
**7:55**
